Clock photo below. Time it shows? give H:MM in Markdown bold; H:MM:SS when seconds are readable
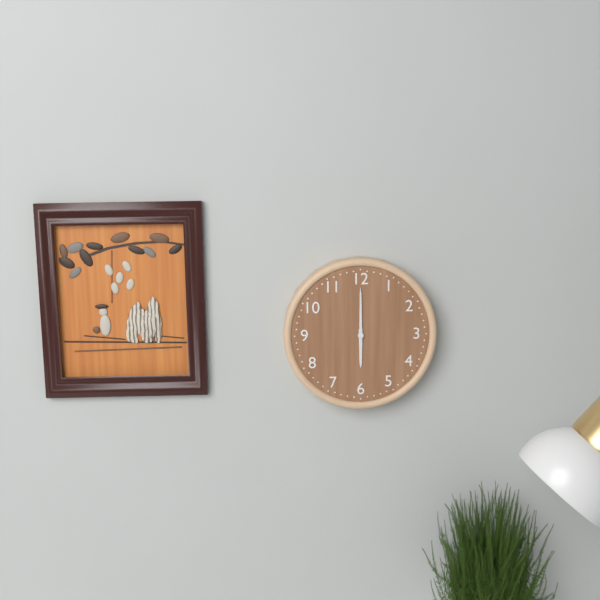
**6:00**
